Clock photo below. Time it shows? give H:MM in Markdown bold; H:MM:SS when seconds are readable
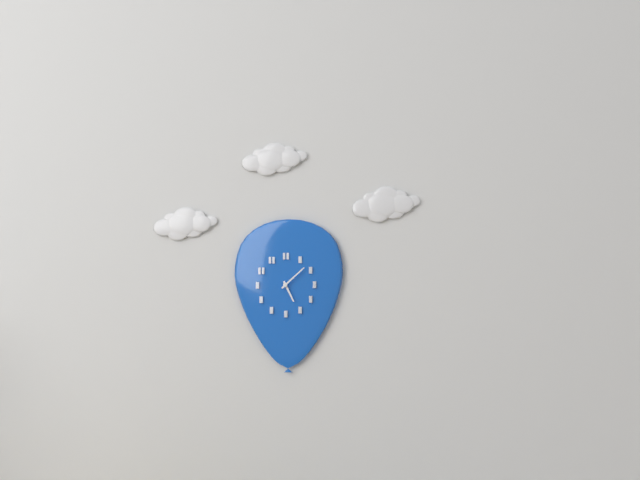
**5:08**
